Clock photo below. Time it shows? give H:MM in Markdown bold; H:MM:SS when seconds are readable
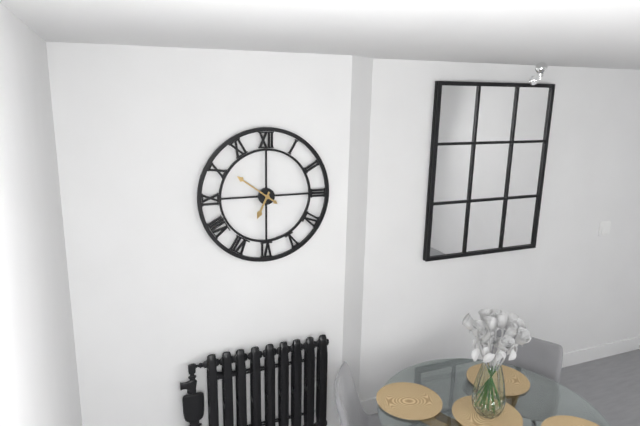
**6:51**
